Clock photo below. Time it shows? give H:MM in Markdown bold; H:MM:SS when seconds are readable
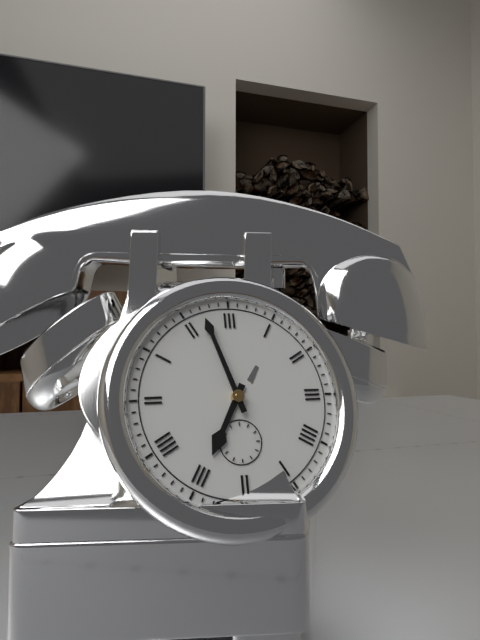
**6:57**
